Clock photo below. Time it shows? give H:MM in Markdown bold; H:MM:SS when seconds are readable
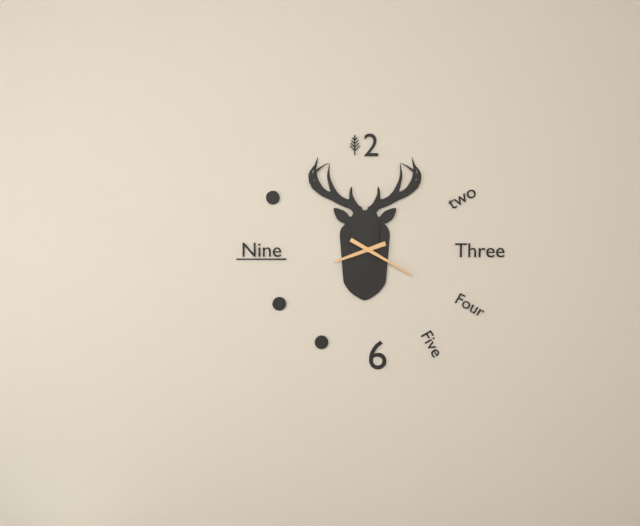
**8:20**
